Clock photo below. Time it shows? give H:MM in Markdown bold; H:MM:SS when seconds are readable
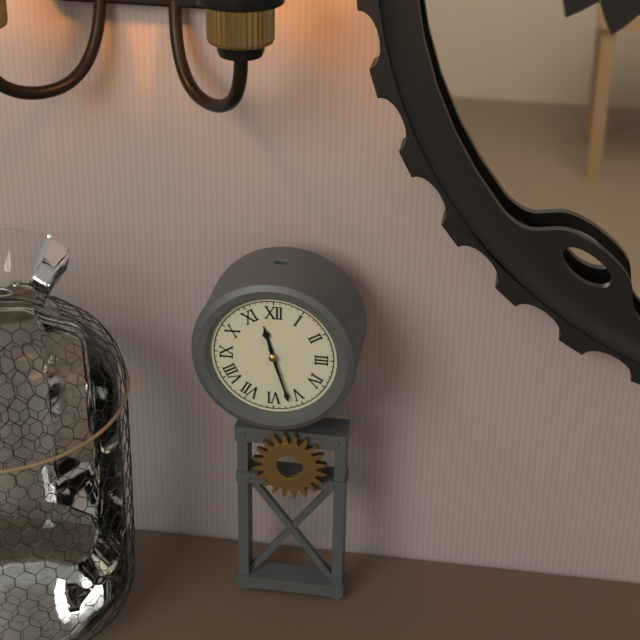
**11:27**
